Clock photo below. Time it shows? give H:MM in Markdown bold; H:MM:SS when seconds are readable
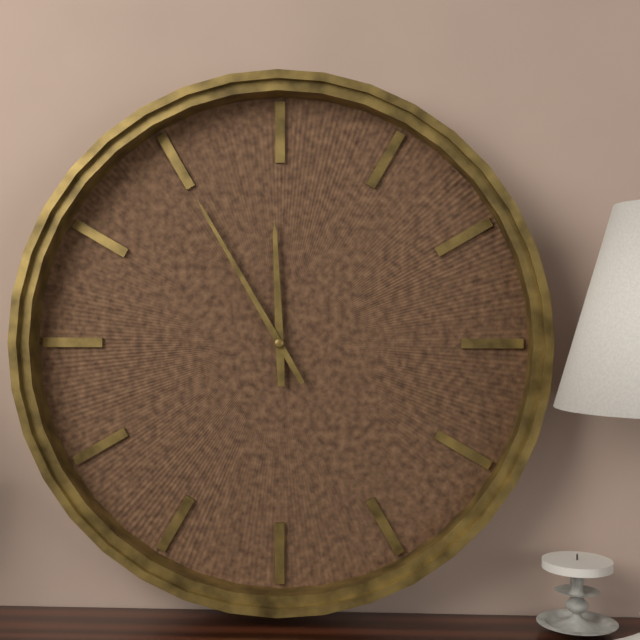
**11:55**
